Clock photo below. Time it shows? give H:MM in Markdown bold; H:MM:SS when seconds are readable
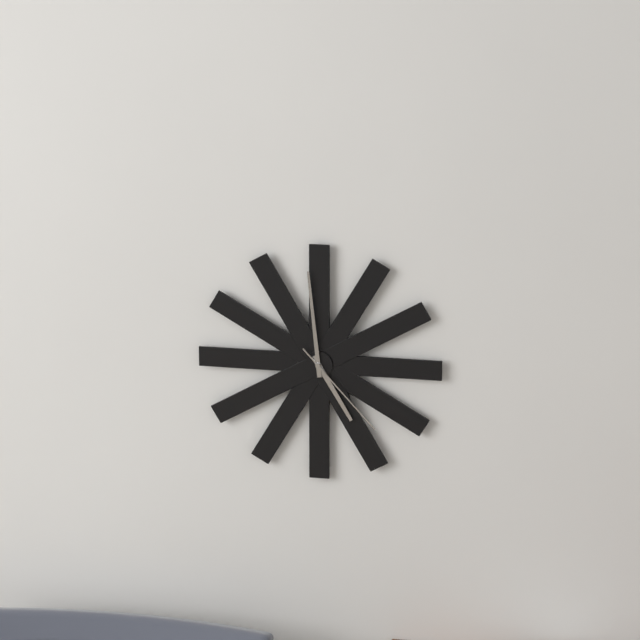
**4:59:23**
